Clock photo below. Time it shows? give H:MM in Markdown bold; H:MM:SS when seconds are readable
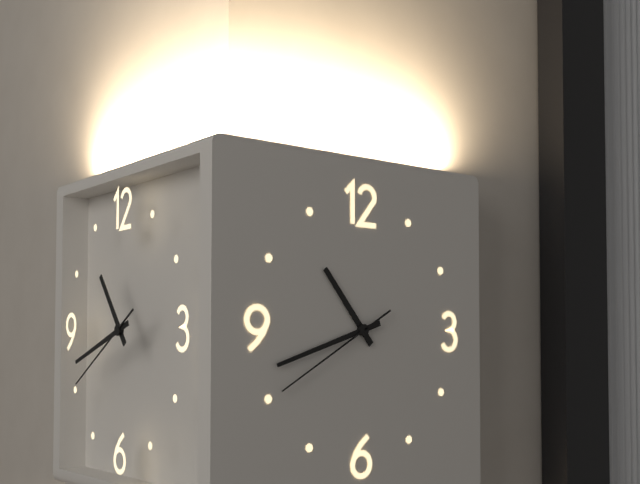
**10:42:40**
